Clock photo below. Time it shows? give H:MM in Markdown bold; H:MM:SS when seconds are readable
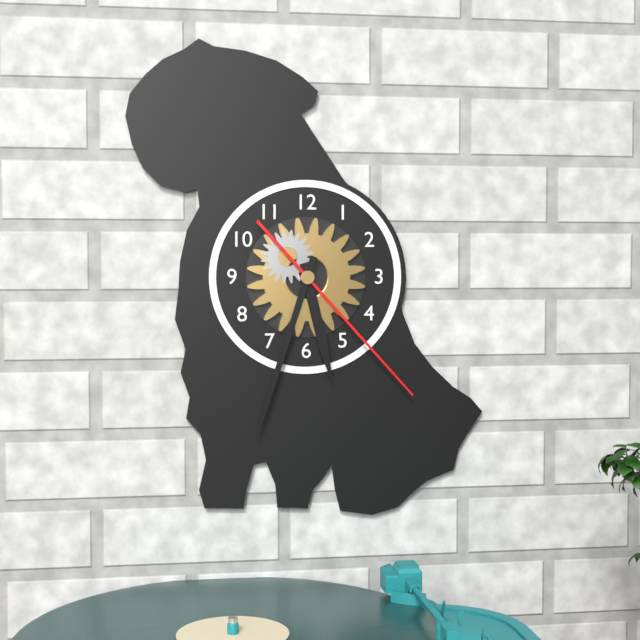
**5:33:23**
